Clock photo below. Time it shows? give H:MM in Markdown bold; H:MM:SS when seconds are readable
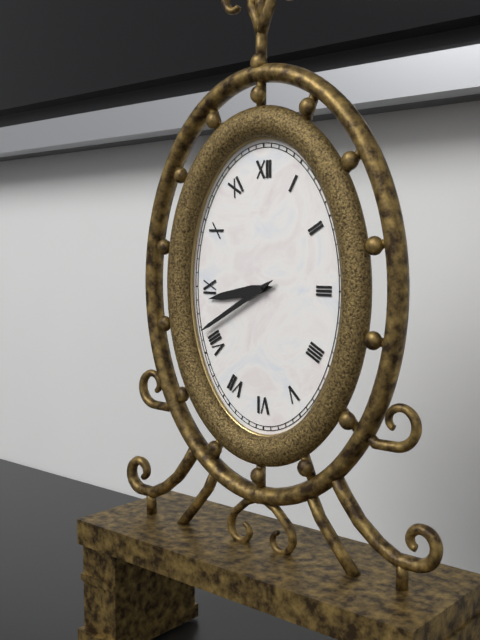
**8:40**
